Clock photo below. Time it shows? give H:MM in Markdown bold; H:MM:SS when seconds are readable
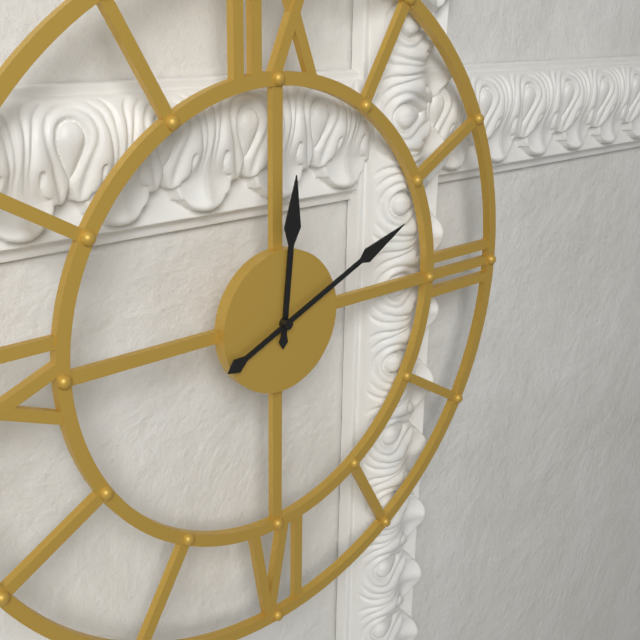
**12:11**
